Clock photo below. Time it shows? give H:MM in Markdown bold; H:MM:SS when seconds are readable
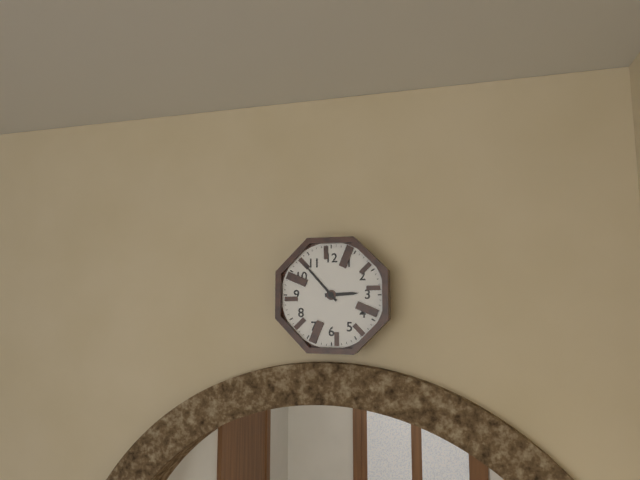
**2:53**
